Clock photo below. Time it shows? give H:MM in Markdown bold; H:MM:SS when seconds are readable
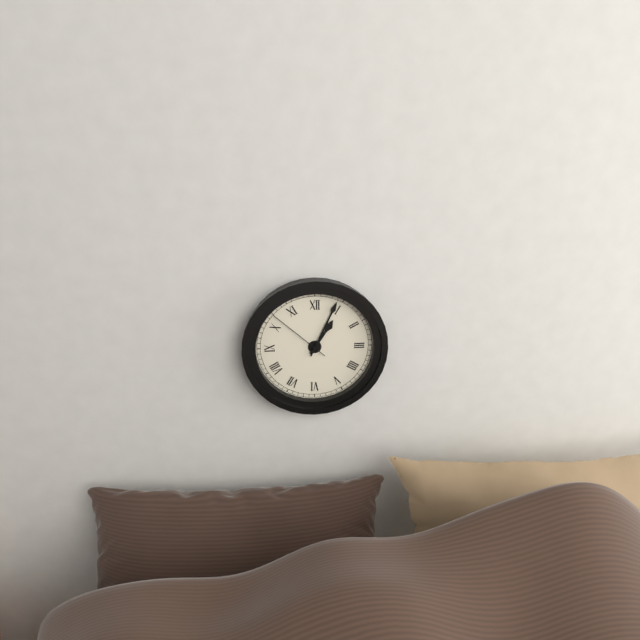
**1:04:52**
